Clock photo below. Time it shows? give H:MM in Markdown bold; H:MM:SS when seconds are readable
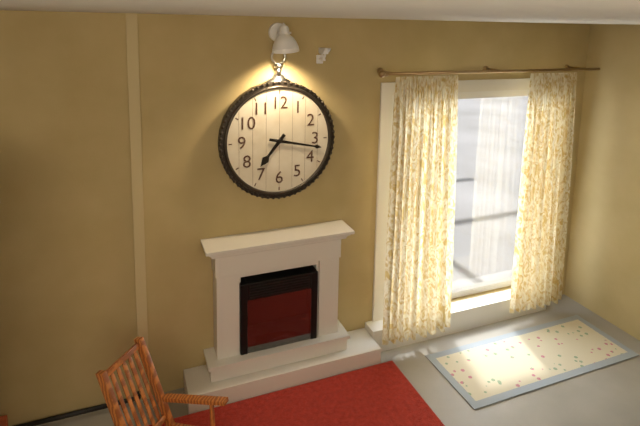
**7:17**
